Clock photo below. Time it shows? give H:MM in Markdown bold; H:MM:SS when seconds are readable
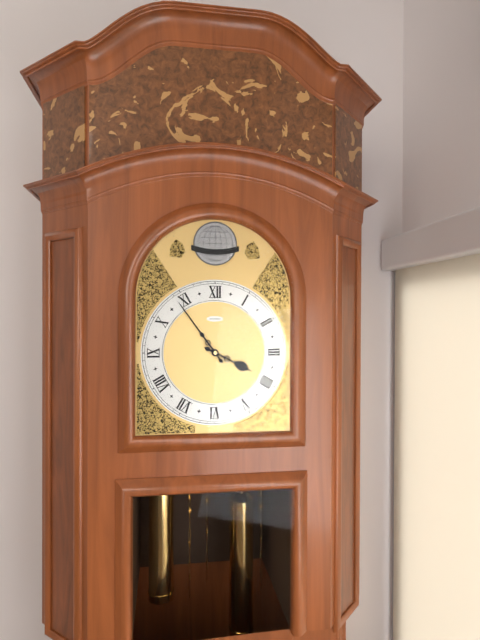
**3:54**
